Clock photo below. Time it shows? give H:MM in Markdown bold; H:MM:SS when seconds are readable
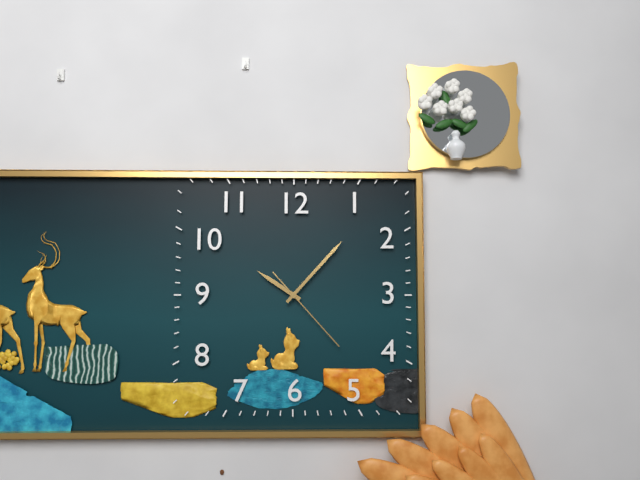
**10:07:23**
